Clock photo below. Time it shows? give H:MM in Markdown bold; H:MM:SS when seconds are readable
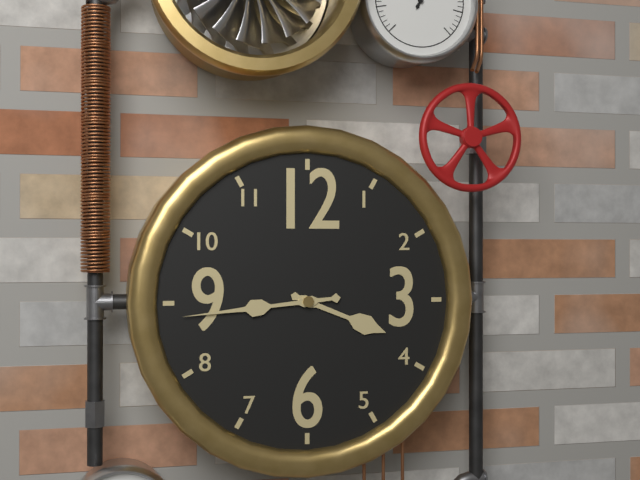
**3:44**
